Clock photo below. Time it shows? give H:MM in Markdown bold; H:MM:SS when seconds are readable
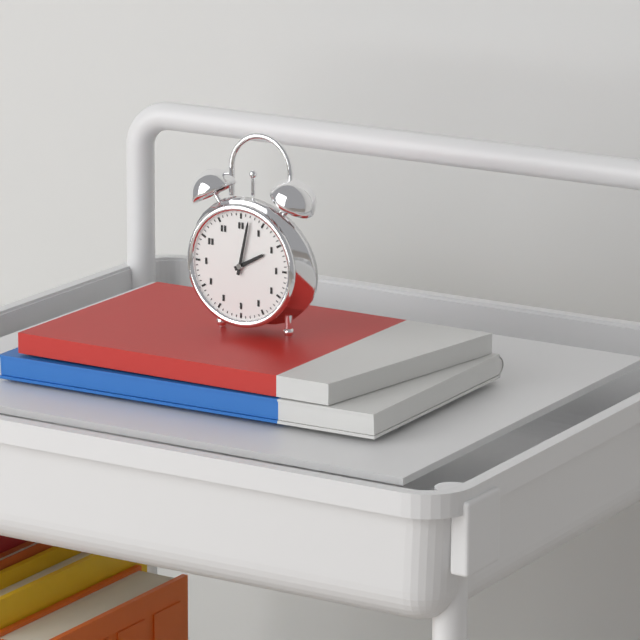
**2:02**
